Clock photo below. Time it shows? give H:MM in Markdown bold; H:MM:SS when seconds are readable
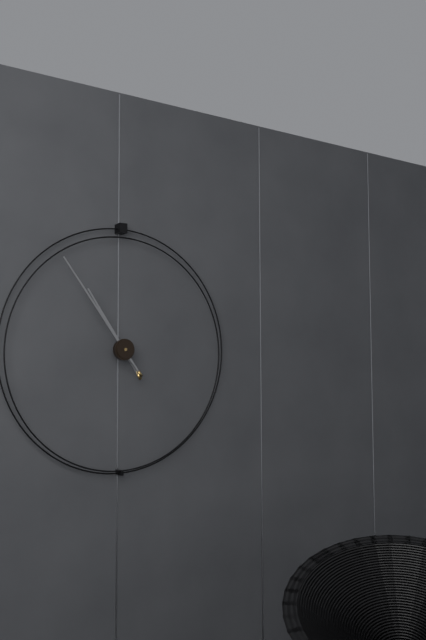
**10:54**
